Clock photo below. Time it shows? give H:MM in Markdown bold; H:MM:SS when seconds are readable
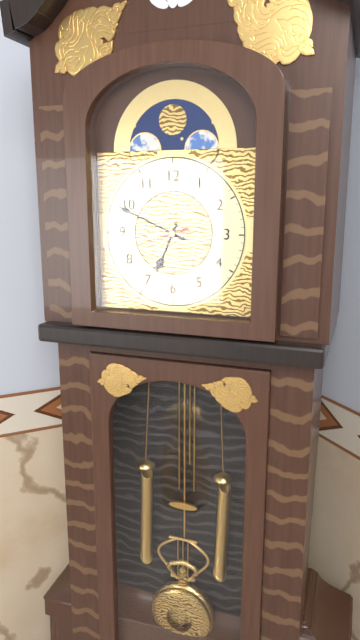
**6:49:42**
